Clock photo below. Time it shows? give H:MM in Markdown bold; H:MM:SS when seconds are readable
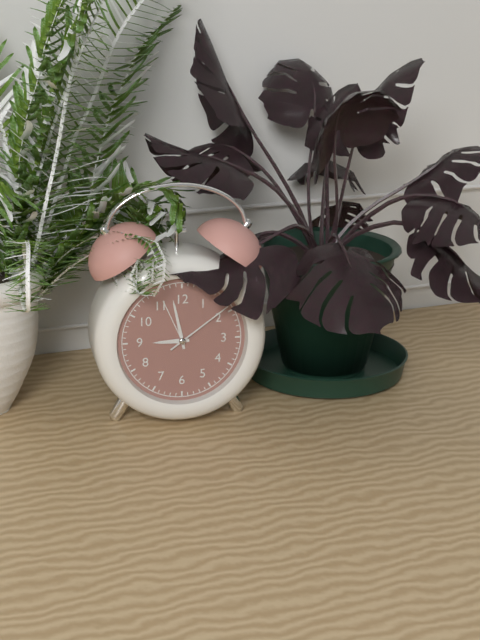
**8:58**
